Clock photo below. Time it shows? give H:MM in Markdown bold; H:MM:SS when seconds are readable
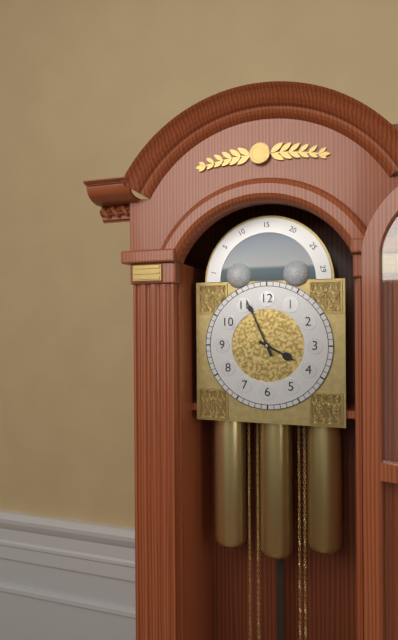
**3:56**
